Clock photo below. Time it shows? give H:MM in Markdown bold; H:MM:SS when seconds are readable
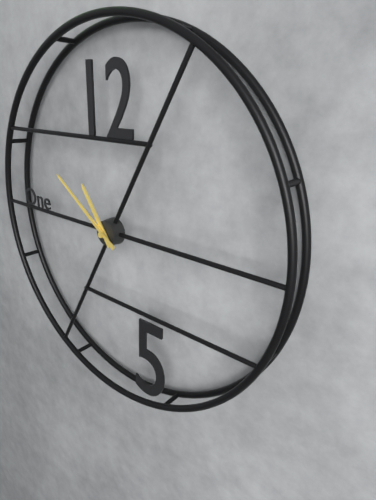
**10:51**
